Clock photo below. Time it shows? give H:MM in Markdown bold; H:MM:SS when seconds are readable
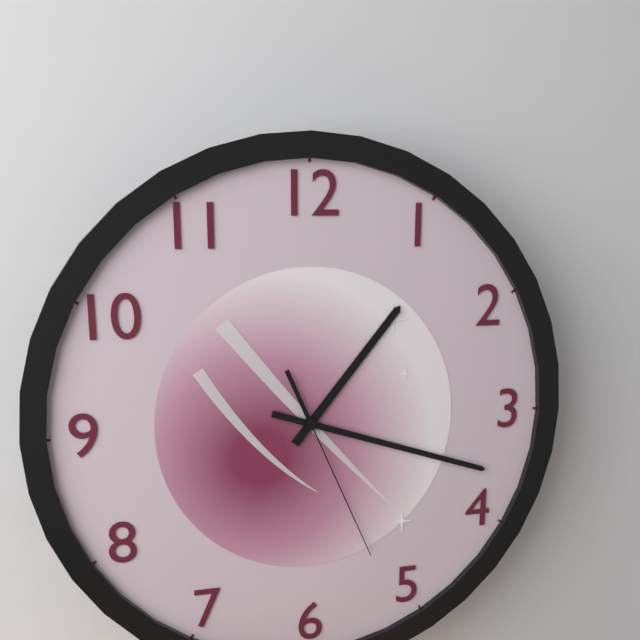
**1:18:26**
